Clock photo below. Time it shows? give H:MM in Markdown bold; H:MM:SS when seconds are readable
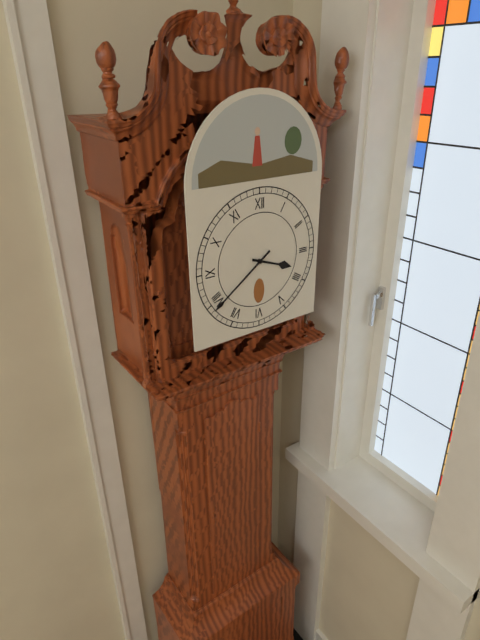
**3:39**
